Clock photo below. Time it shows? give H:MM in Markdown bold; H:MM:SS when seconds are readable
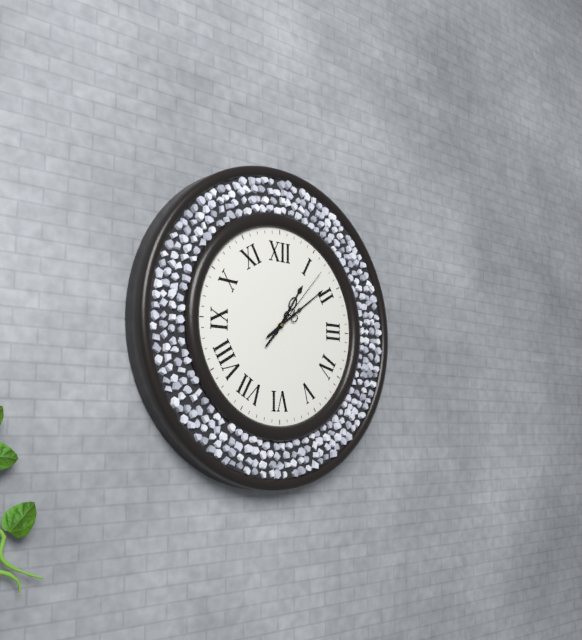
**1:09:07**
